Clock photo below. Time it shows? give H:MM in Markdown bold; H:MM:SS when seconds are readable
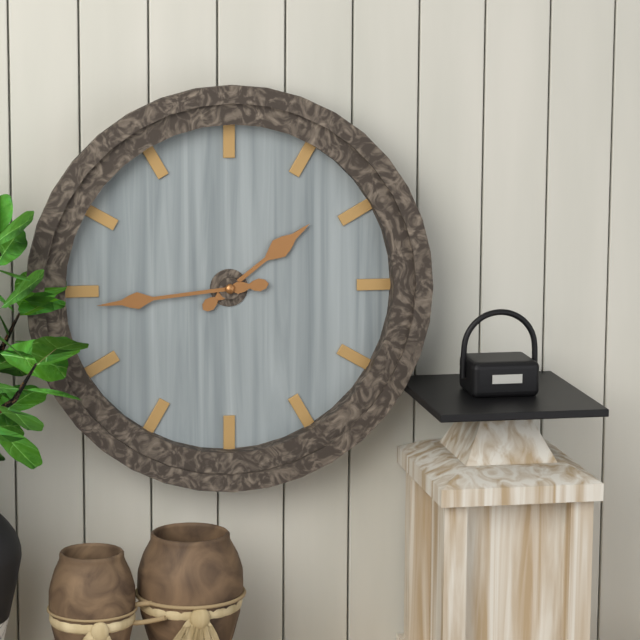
**1:44**
